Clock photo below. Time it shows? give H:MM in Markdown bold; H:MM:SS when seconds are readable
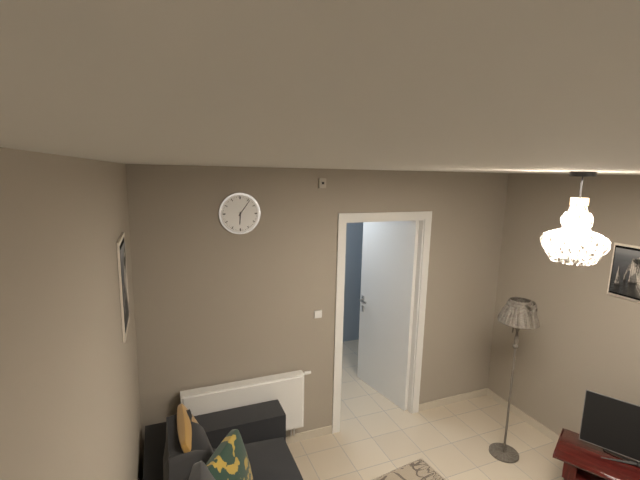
**6:06**
